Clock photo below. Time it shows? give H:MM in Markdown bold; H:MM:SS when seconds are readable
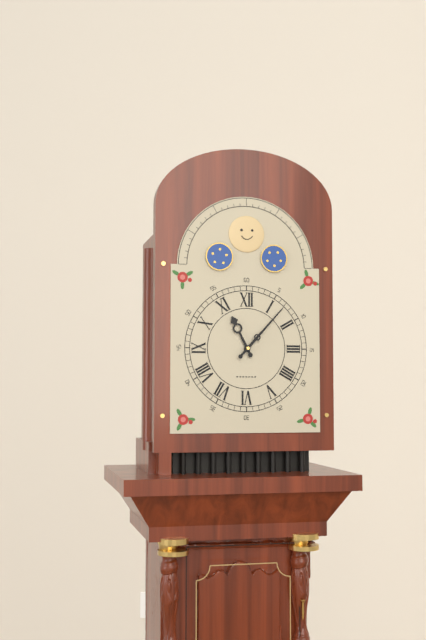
**11:07**
